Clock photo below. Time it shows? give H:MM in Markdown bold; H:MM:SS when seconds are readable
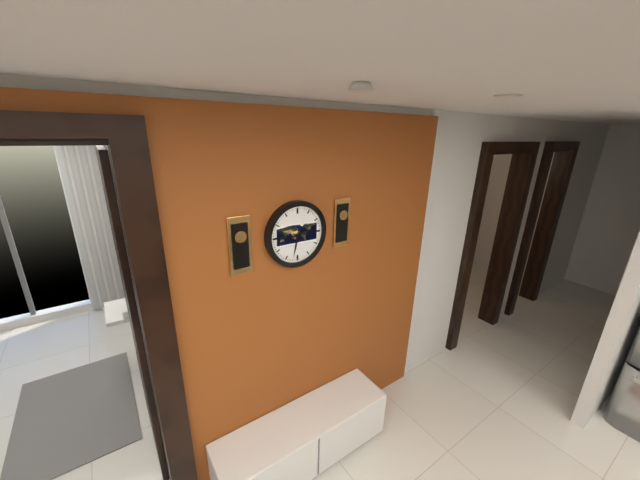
**2:32**
